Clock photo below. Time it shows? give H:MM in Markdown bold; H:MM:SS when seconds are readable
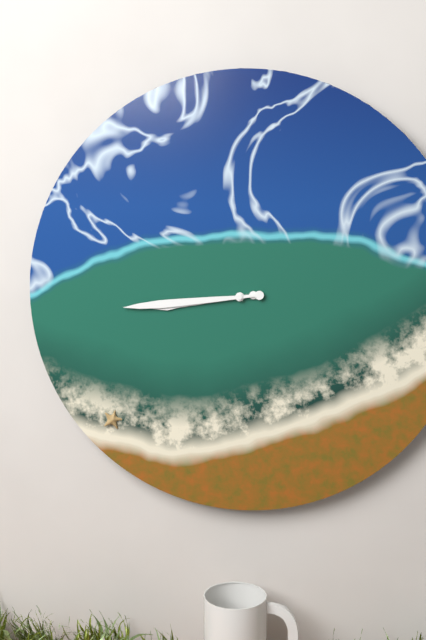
**8:44**
